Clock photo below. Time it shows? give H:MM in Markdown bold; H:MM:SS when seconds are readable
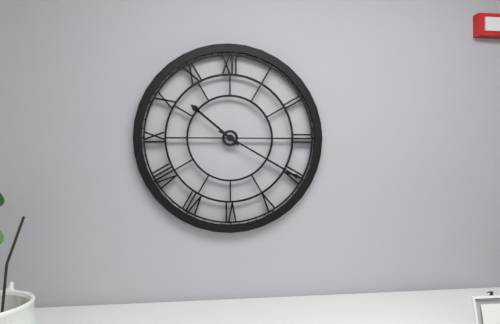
**10:20**
